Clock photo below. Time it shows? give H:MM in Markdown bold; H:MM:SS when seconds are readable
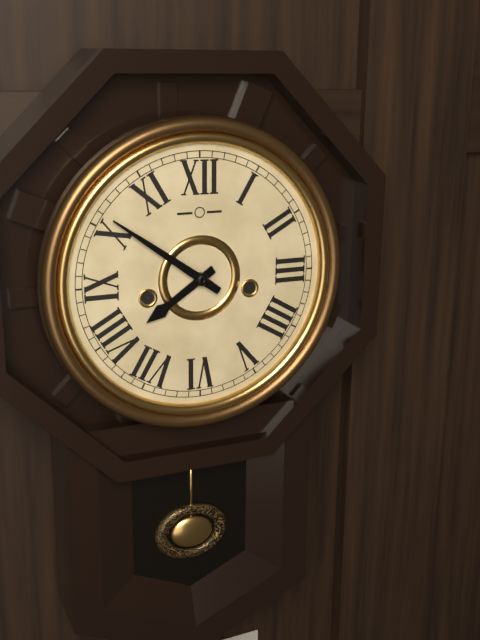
**7:51**
